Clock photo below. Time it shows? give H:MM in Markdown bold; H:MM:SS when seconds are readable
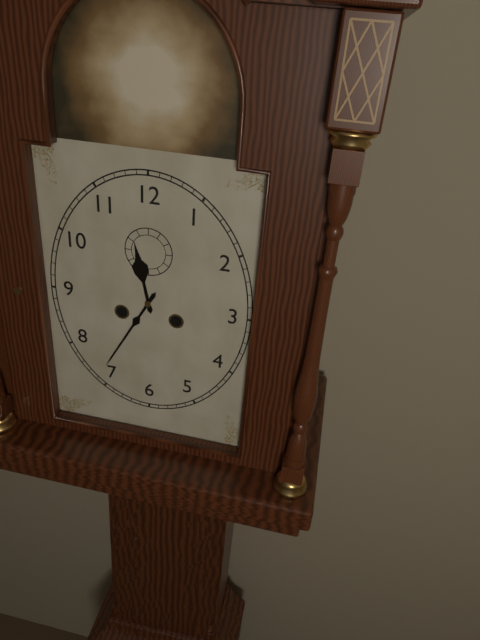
**11:35**
